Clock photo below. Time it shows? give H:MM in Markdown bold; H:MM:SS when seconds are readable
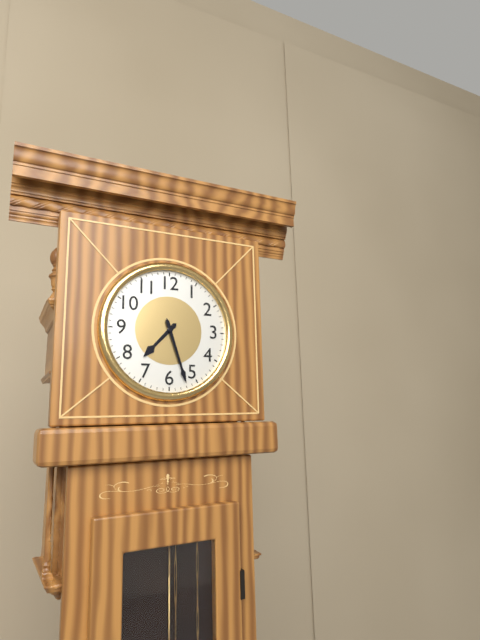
**7:27**
